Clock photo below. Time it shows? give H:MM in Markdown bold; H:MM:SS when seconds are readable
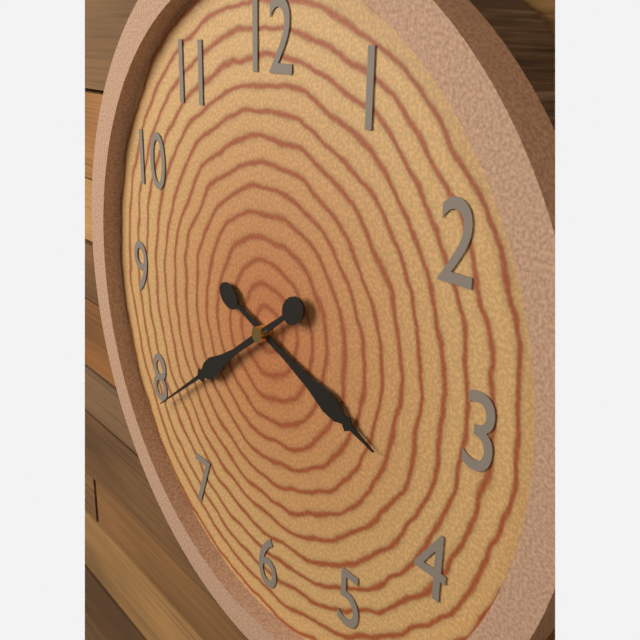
**3:39**
